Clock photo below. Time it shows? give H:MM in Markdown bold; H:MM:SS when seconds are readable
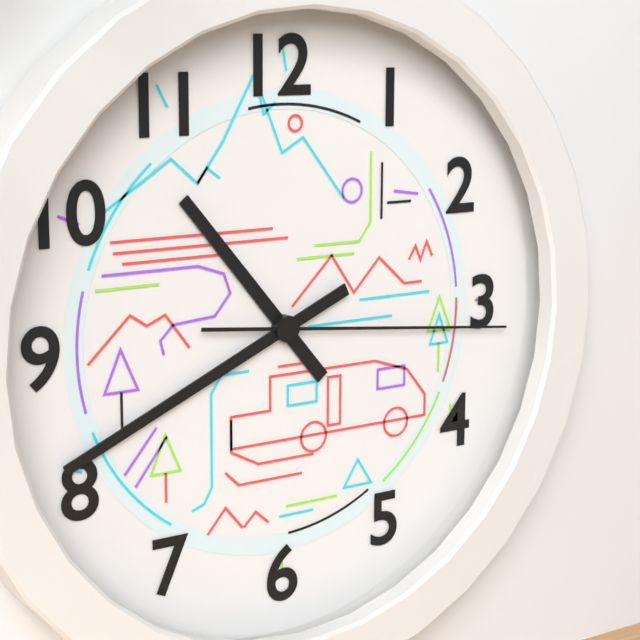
**10:41:16**
